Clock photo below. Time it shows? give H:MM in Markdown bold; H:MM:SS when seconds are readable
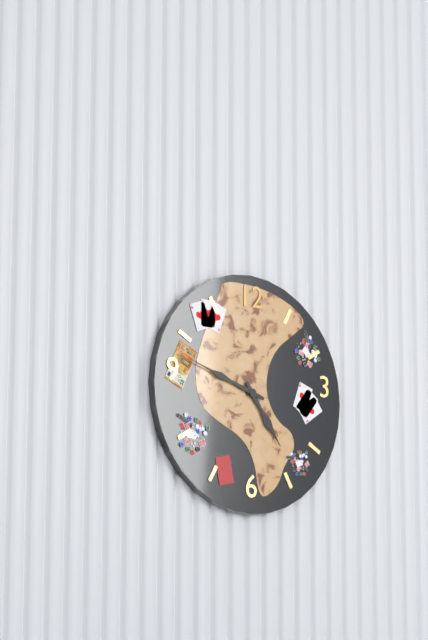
**4:48**
